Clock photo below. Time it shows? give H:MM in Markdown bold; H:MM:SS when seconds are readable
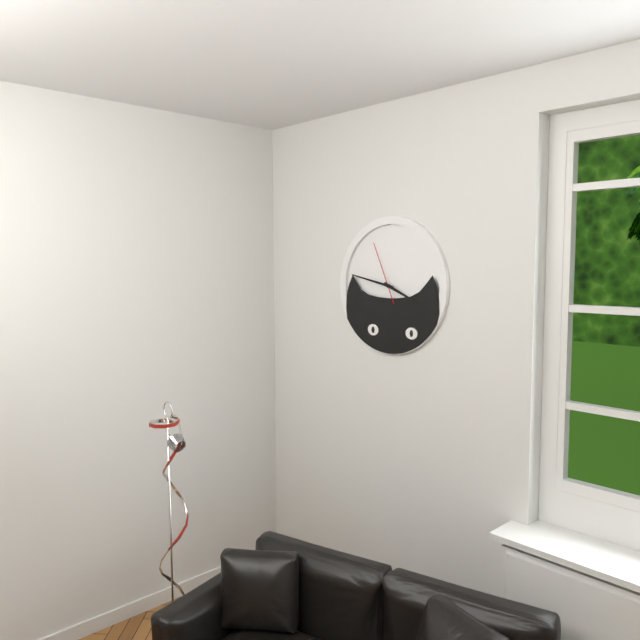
**3:47:56**
